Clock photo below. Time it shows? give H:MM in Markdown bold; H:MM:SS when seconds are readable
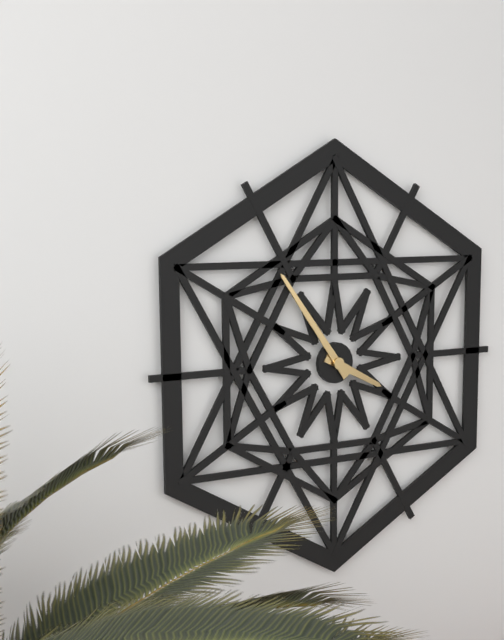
**3:54**
